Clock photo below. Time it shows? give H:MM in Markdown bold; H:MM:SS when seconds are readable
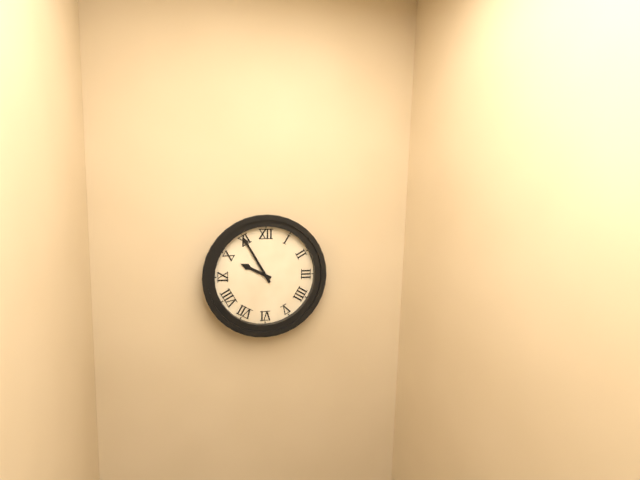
**9:55**
